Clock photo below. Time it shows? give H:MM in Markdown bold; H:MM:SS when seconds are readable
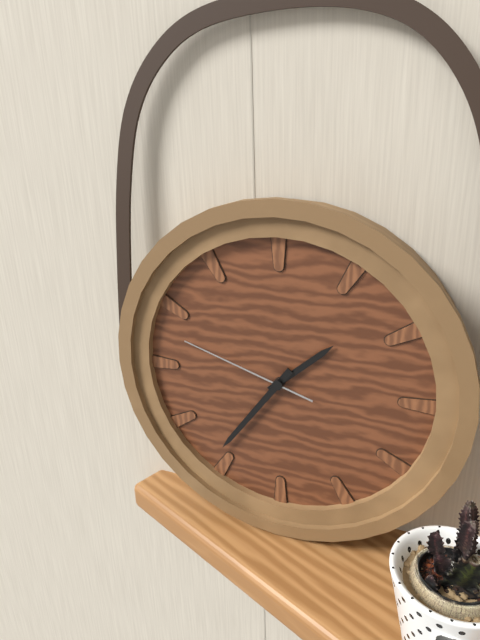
**1:36:48**
